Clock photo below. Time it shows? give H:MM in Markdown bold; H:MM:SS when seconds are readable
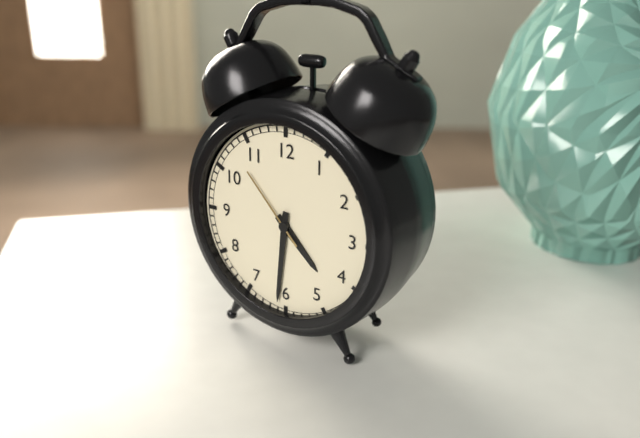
**4:31:53**
